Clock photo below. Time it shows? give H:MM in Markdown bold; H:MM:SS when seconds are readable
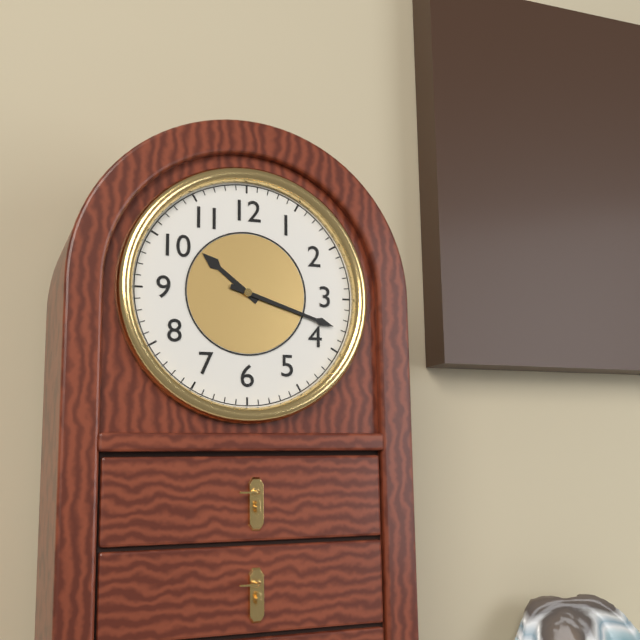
**10:18**
